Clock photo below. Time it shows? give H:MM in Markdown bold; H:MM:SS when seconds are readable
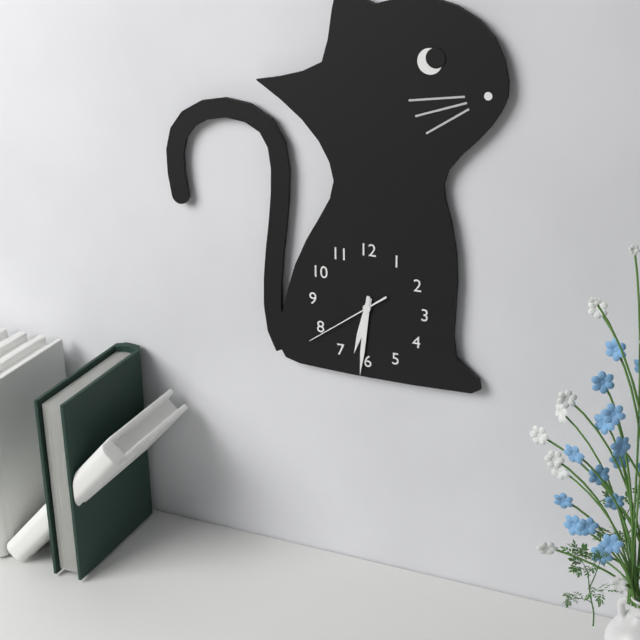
**6:31:39**
